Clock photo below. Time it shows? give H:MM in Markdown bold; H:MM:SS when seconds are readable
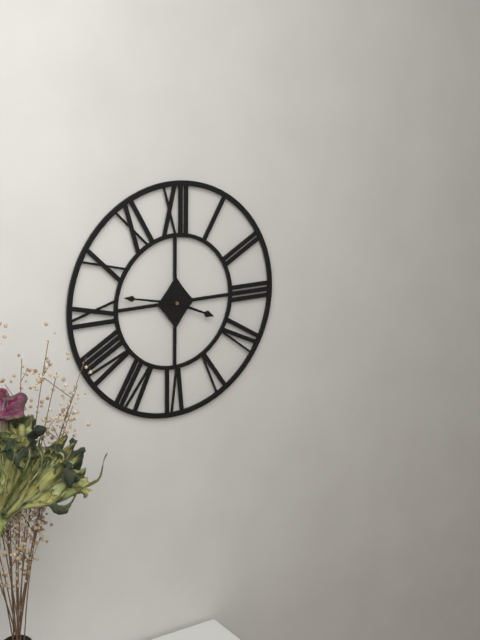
**3:47**
